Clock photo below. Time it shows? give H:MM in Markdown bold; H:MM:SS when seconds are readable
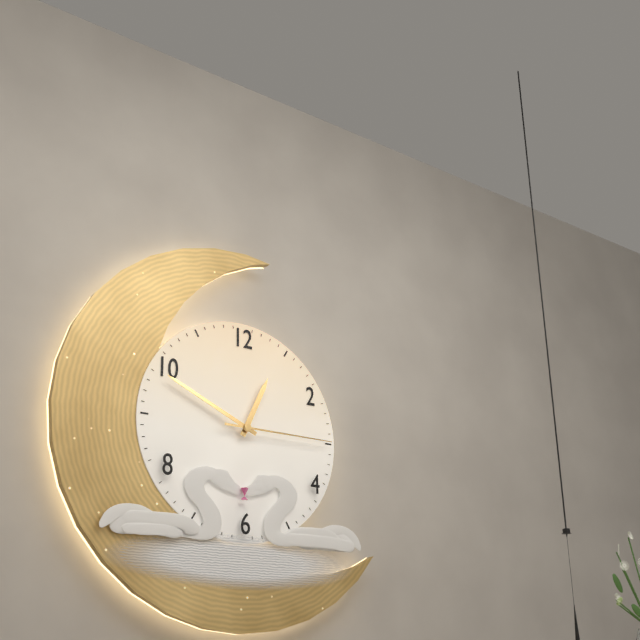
**12:49:15**
